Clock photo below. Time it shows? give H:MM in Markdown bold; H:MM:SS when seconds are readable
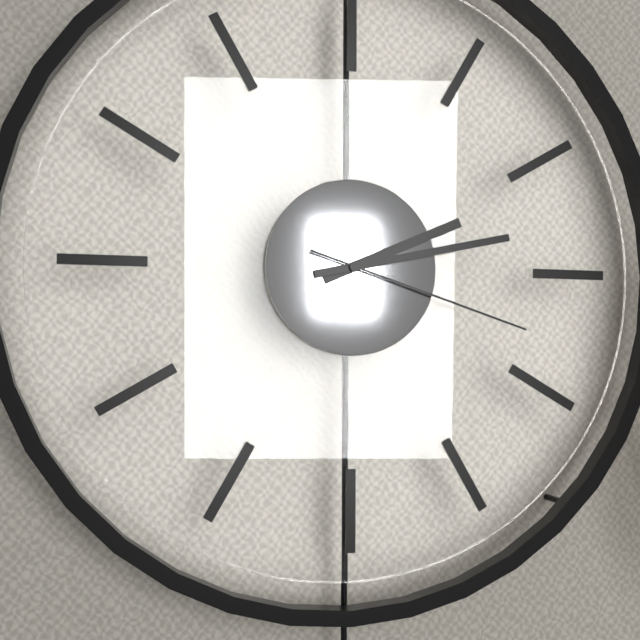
**2:13:18**
